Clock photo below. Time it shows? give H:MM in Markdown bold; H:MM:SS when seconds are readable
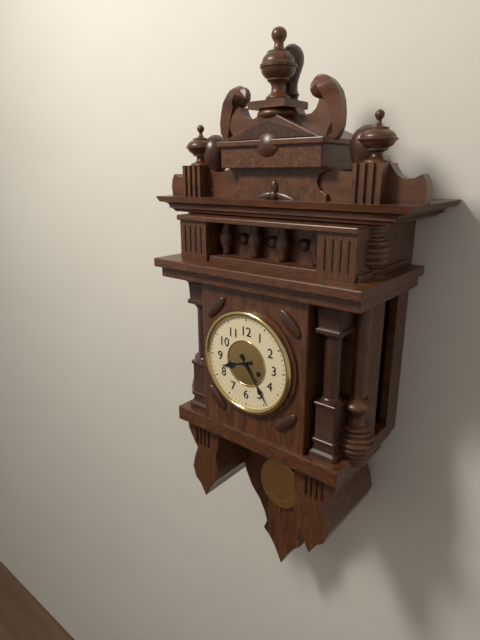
**8:24**
